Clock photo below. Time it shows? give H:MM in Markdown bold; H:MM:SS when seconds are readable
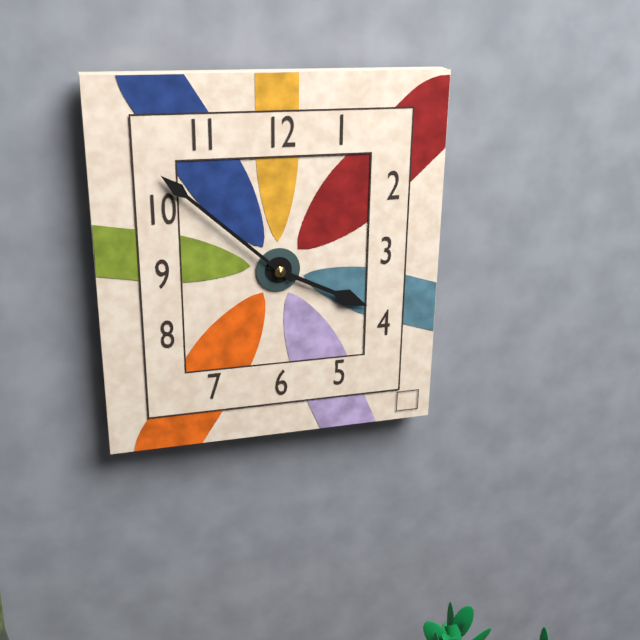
**3:52**
